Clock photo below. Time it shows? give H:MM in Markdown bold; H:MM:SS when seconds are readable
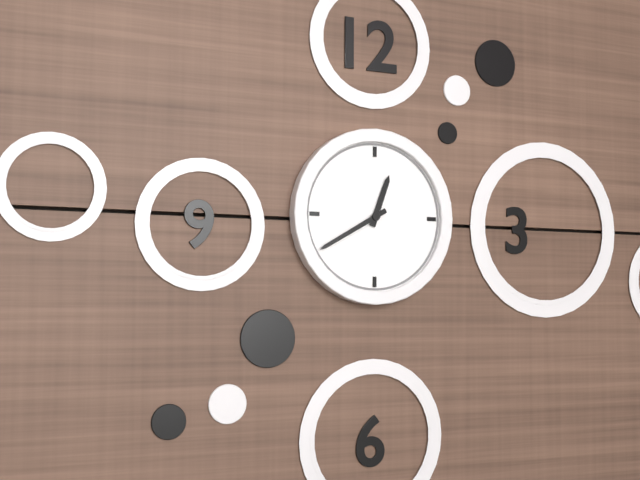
**12:40**
